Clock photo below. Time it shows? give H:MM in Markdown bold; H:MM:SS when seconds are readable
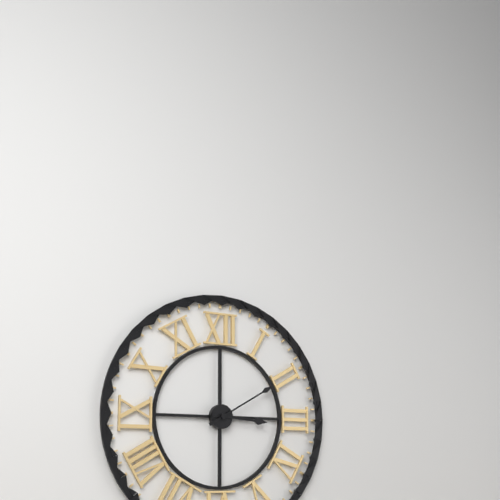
**3:10**
